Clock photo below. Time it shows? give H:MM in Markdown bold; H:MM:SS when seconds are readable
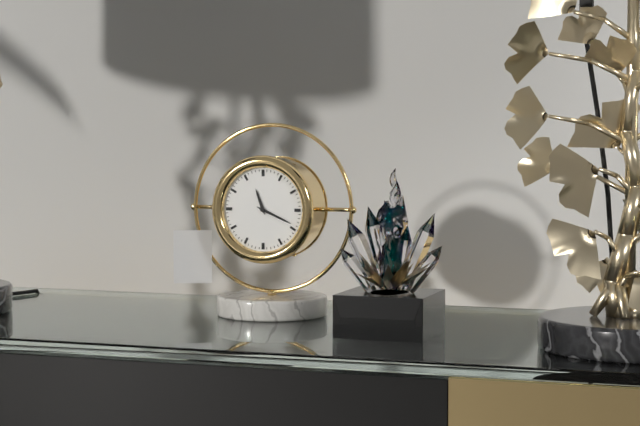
**11:19**
